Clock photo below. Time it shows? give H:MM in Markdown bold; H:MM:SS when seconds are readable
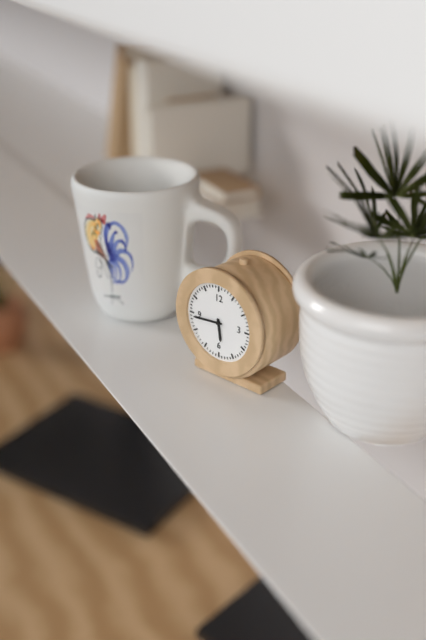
**5:44**
